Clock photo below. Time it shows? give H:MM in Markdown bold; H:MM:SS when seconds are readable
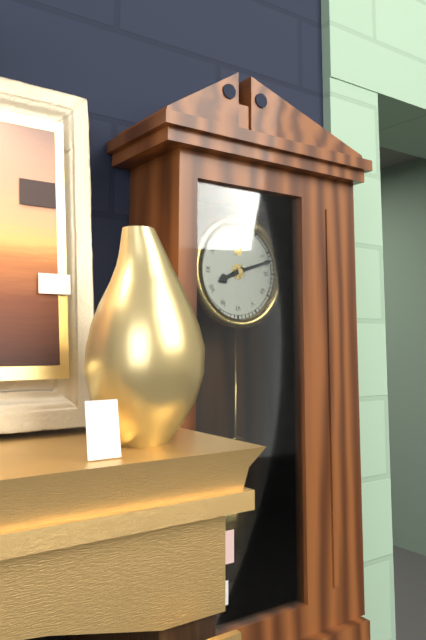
**8:12**
